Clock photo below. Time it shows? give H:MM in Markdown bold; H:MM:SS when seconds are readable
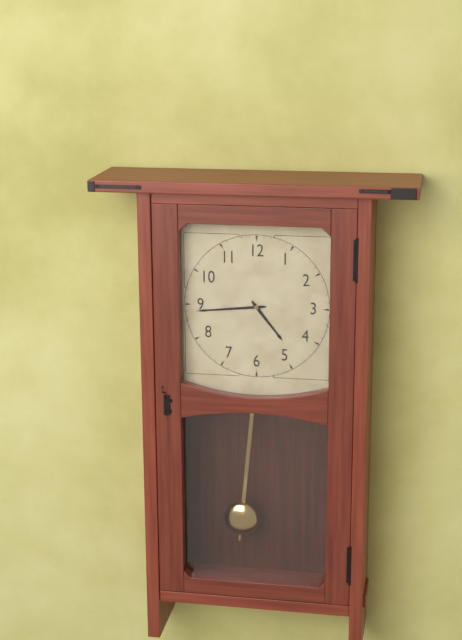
**4:44**
